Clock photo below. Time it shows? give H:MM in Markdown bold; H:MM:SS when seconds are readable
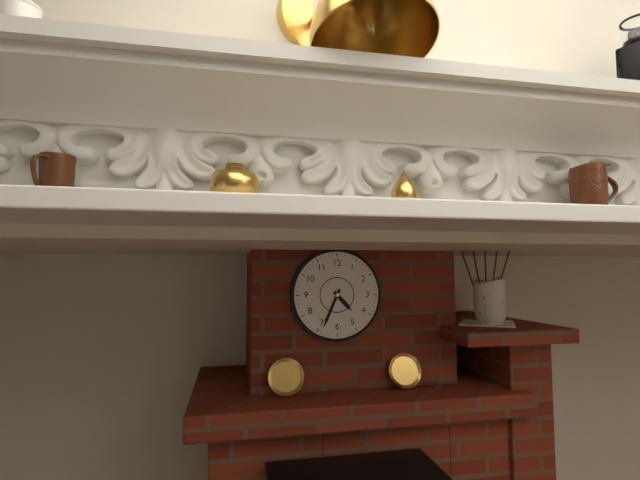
**4:34**
